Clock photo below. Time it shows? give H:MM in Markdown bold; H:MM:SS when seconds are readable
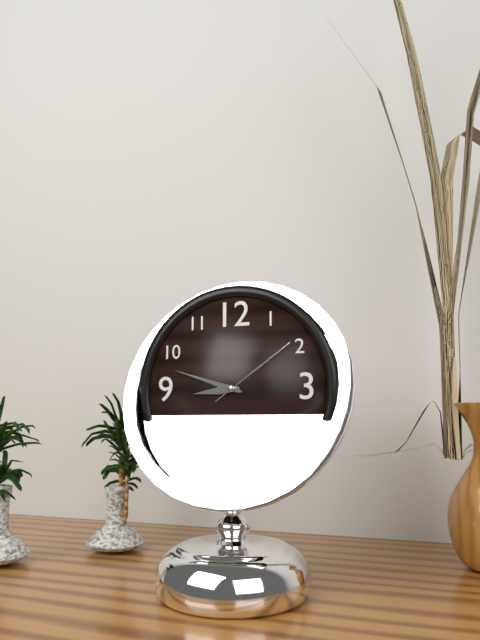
**8:48:09**
